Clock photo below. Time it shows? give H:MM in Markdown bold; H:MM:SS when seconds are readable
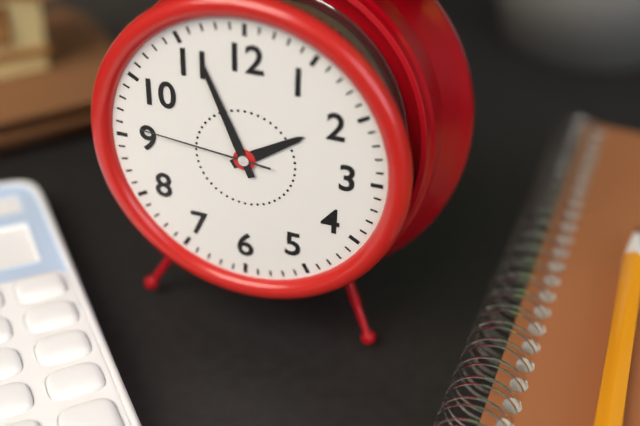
**1:56:46**
